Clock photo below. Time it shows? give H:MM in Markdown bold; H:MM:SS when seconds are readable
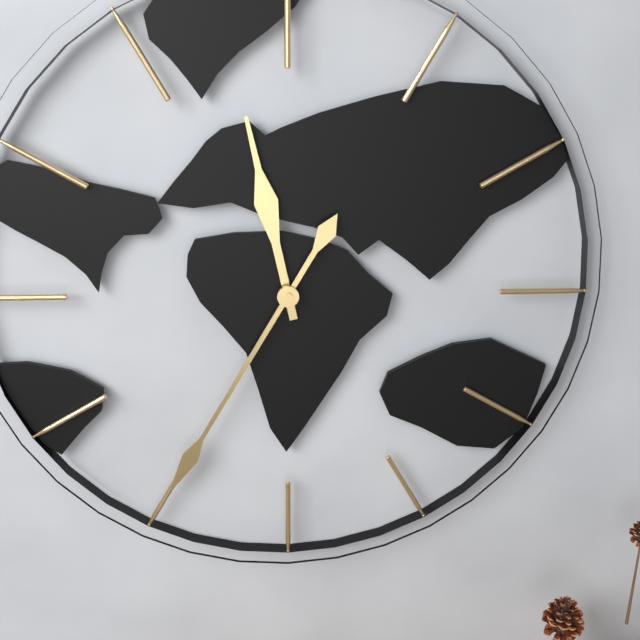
**11:35**
